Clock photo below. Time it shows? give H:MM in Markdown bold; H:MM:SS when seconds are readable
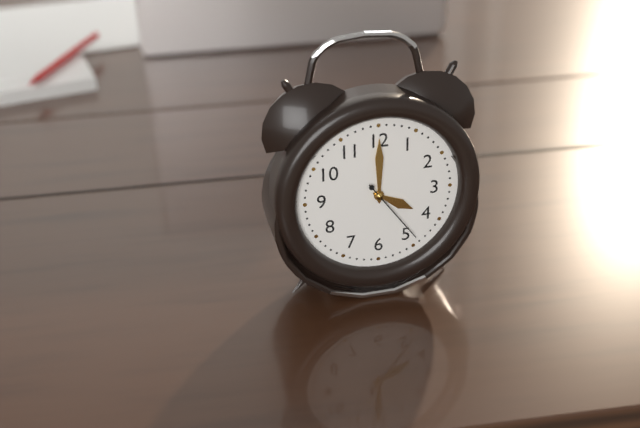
**4:00:24**
